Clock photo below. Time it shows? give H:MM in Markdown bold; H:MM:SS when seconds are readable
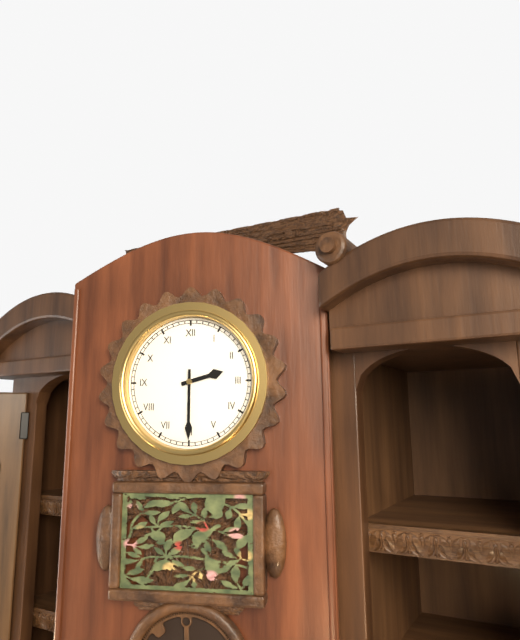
**2:30**
